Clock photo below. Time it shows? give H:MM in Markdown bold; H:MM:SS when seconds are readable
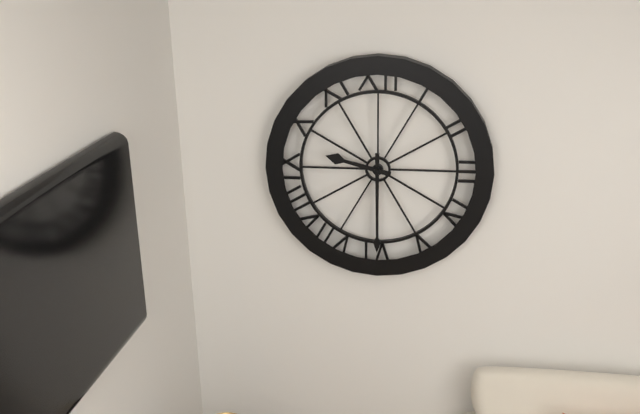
**9:30**
